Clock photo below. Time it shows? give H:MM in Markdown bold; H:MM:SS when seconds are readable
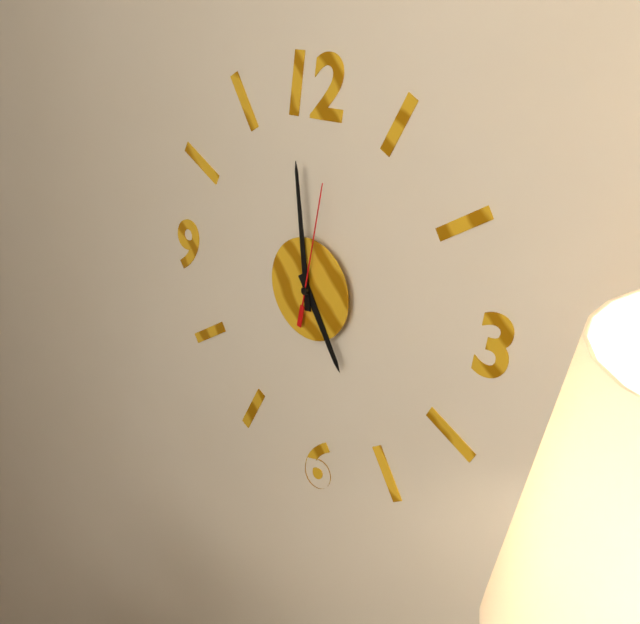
**4:59:02**
